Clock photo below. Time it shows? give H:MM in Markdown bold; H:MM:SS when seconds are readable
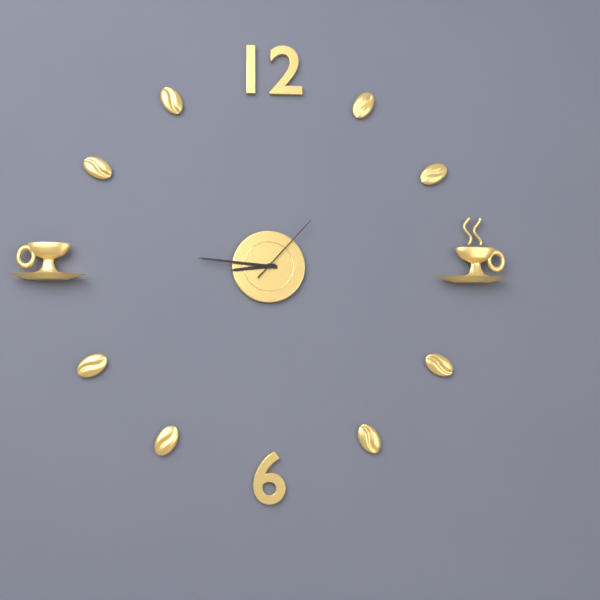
**8:46:07**
